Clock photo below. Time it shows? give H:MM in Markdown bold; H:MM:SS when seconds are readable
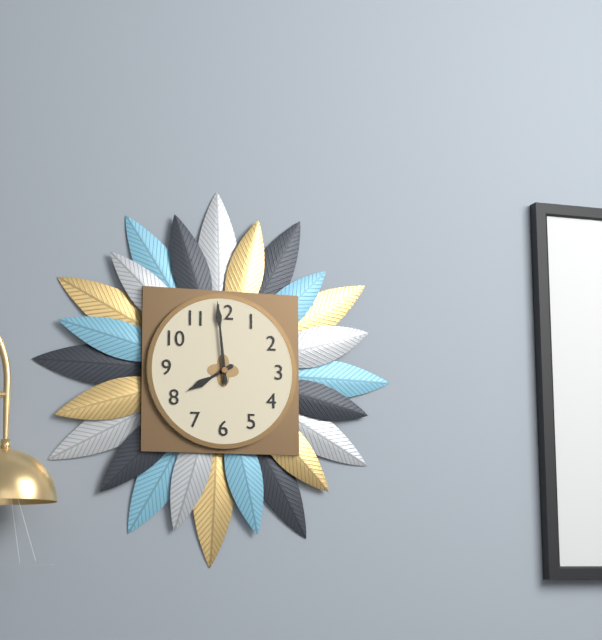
**7:59**
